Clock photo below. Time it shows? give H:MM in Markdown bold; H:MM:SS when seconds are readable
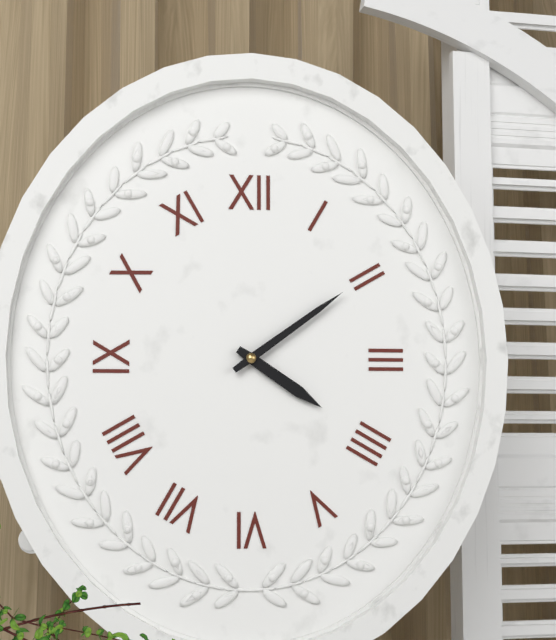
**4:09**
